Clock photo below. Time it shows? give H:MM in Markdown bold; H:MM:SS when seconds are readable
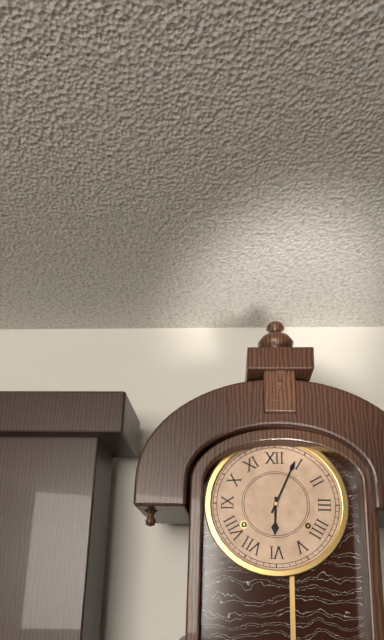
**6:04**
